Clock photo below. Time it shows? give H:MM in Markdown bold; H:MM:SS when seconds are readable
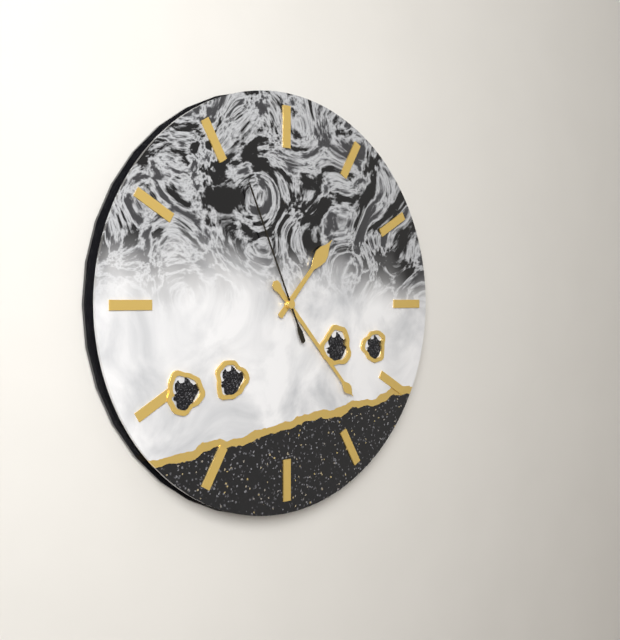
**1:23:56**
